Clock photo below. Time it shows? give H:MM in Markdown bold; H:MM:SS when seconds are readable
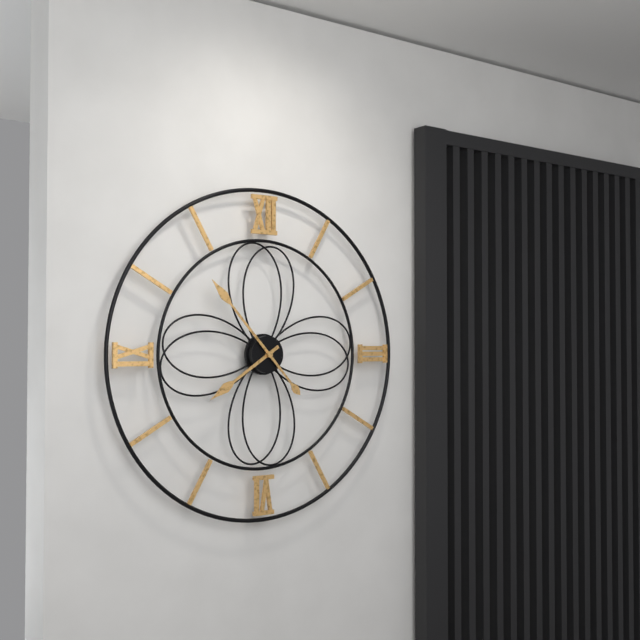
**7:53**
